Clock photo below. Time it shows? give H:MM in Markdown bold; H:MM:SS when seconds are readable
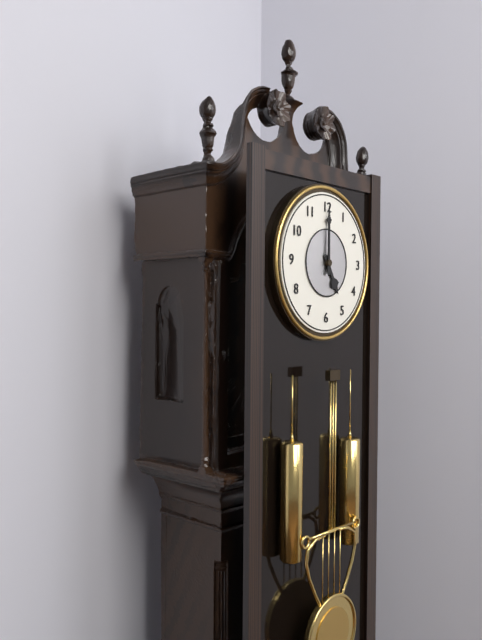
**5:00**
